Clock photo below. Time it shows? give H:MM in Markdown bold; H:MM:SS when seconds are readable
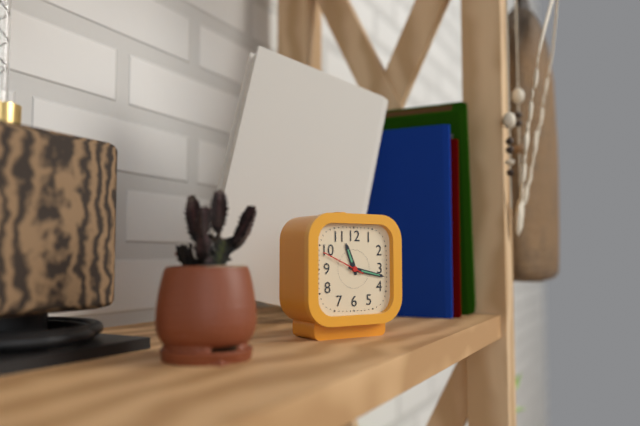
**11:17**
